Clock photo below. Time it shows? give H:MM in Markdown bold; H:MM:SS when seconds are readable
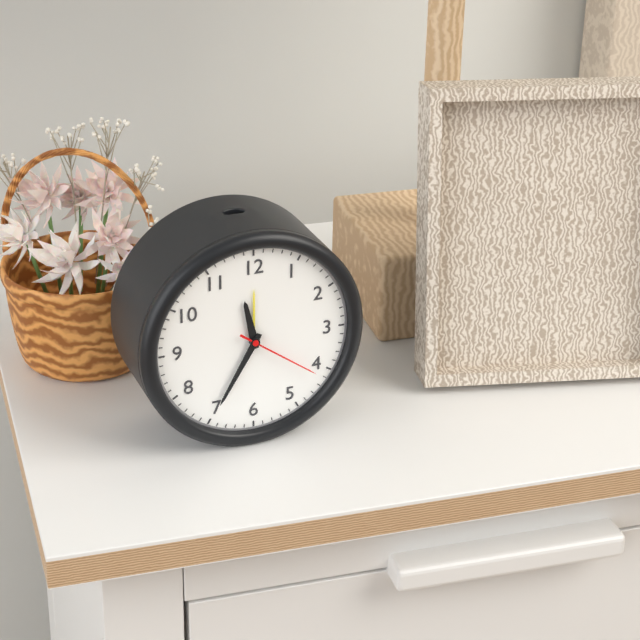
**11:35:21**
